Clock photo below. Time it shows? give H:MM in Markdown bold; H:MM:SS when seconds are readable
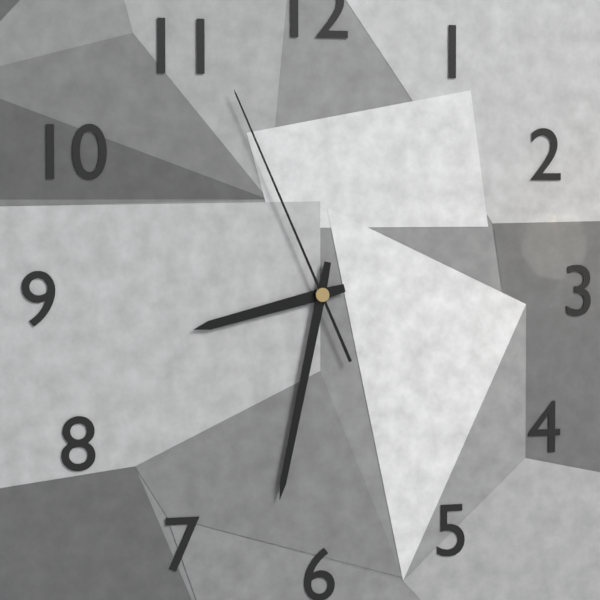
**8:32:56**
